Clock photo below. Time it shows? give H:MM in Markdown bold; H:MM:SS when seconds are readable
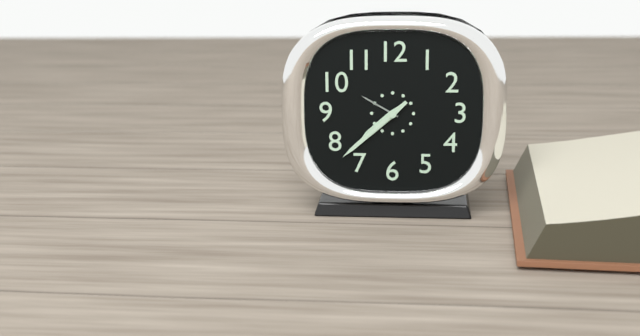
**7:38**
